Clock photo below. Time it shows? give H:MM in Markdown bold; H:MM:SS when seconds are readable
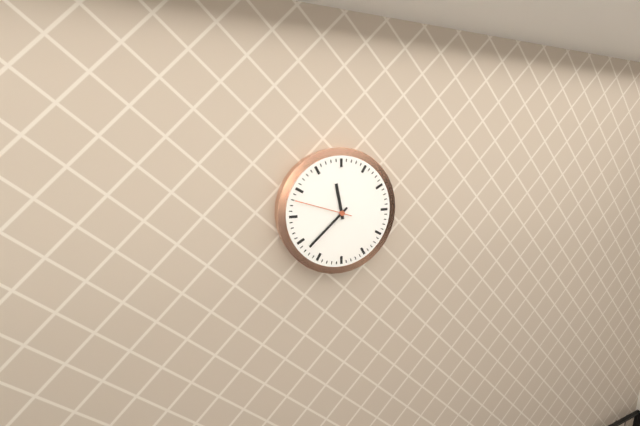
**11:38:48**
